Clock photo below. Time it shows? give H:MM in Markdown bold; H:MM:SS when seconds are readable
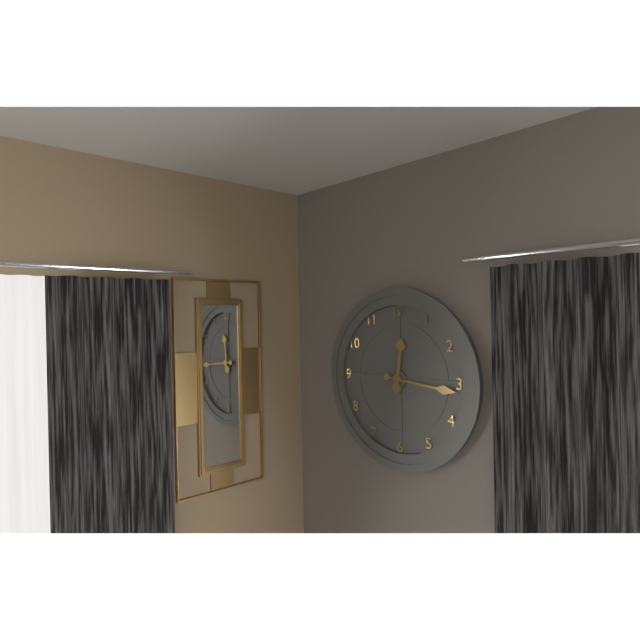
**12:16**
